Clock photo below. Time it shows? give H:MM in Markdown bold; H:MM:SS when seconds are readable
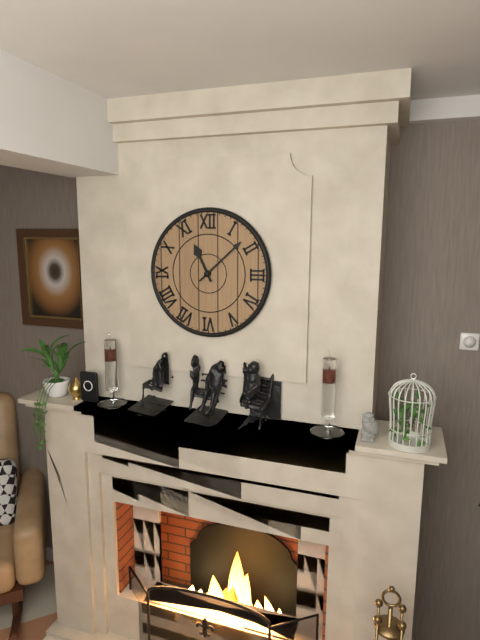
**11:08**
